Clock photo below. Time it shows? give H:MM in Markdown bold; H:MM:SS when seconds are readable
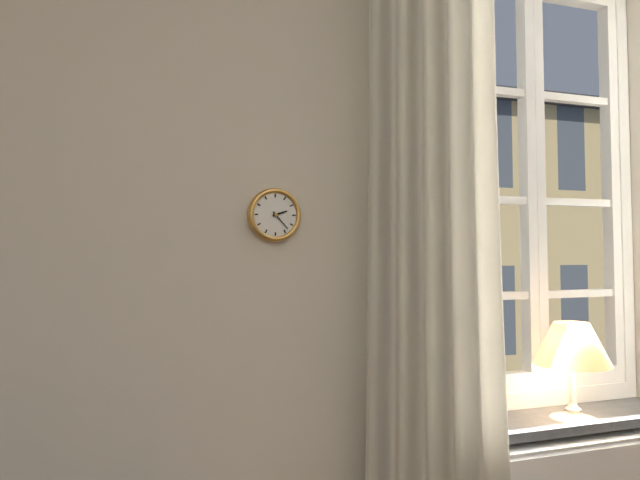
**2:23**
